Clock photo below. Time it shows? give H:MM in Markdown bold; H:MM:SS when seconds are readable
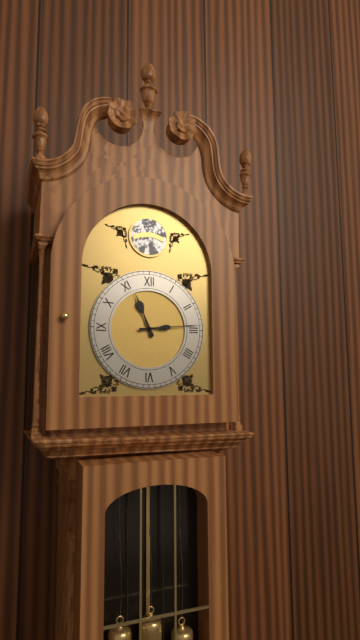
**11:14**
